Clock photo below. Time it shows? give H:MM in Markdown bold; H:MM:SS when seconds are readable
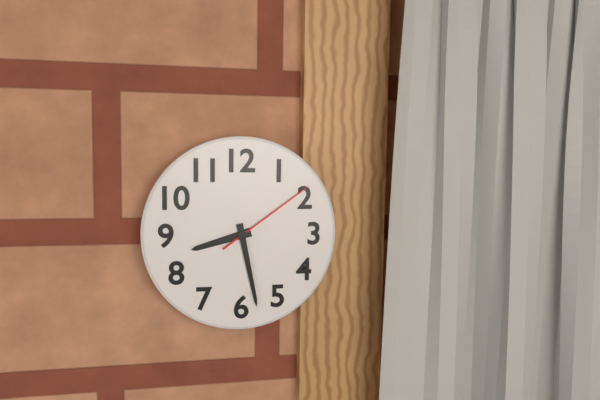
**8:28:09**
